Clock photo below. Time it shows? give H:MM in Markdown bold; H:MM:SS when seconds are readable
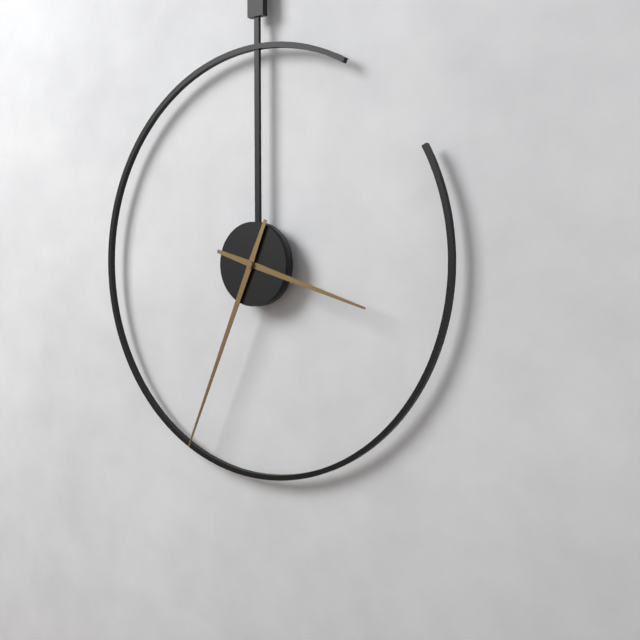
**3:34**
